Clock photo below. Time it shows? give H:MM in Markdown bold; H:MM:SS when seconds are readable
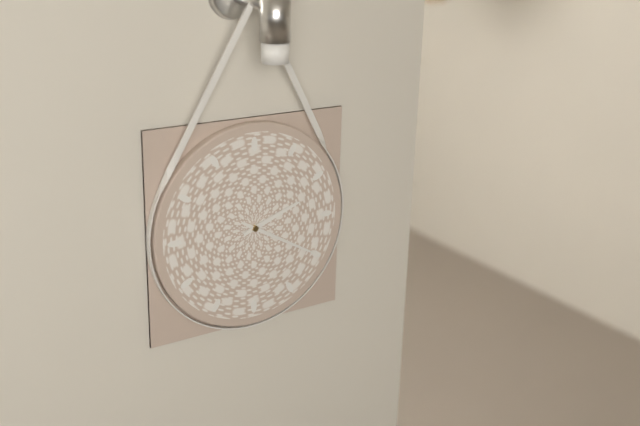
**2:20**
